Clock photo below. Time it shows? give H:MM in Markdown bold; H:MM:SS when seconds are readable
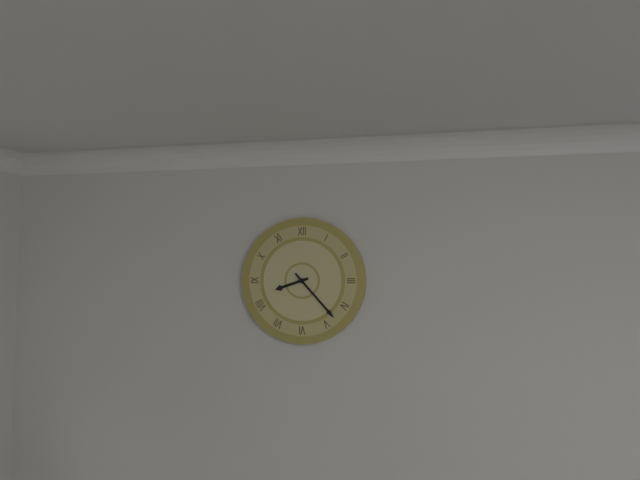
**8:23**
